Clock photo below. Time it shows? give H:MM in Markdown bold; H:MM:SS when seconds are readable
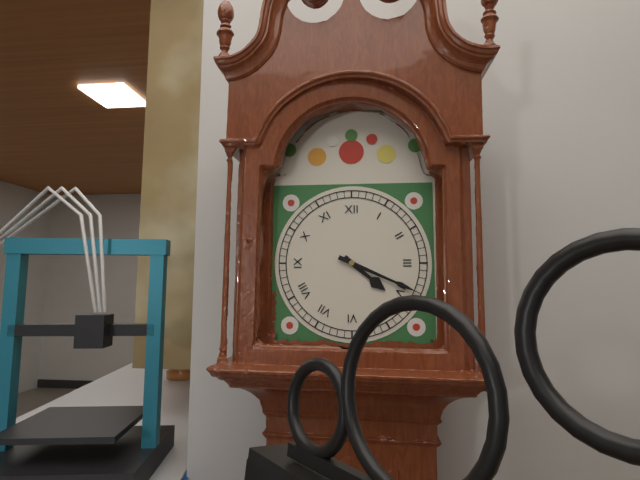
**4:19**
